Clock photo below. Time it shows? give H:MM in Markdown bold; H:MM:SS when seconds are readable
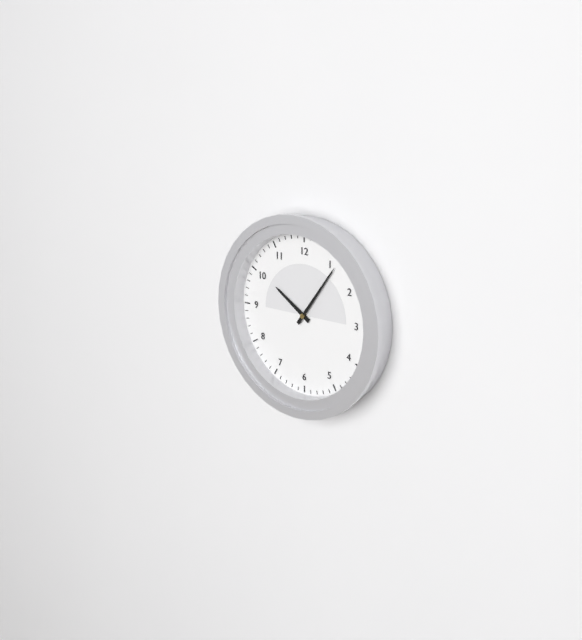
**10:06**
